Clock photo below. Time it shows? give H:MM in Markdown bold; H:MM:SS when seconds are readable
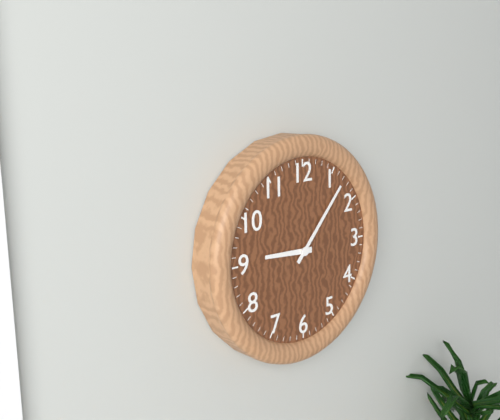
**9:07**
